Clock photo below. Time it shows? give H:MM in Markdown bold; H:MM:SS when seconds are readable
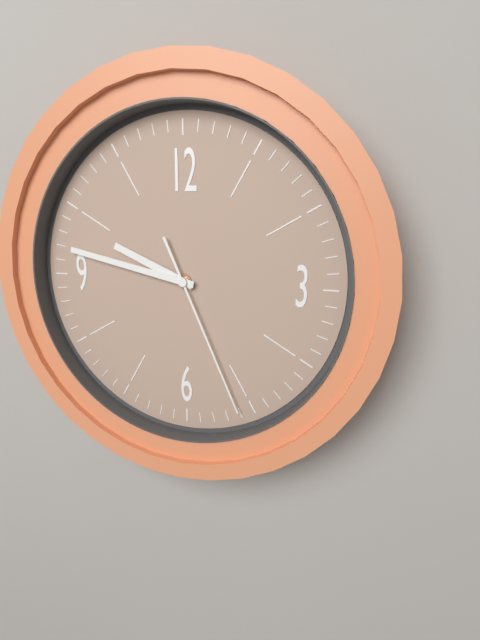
**9:47:26**
